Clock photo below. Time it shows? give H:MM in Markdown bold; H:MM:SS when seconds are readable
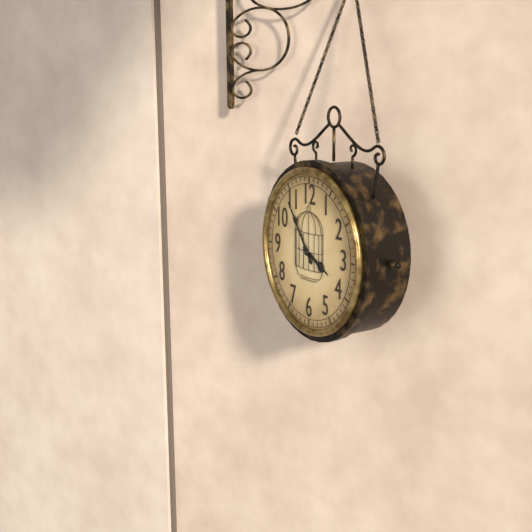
**3:54**
